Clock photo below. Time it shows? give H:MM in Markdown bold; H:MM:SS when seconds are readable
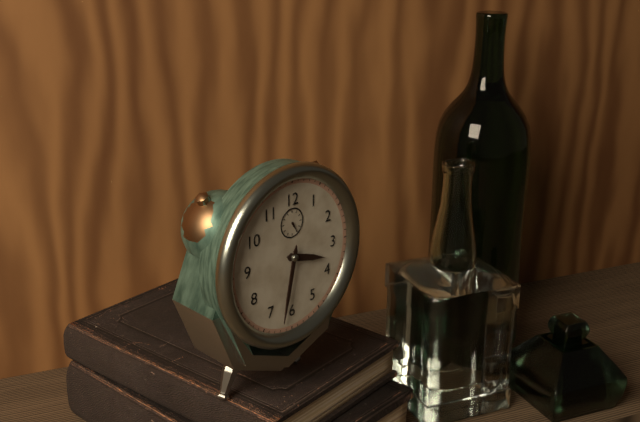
**3:32**
